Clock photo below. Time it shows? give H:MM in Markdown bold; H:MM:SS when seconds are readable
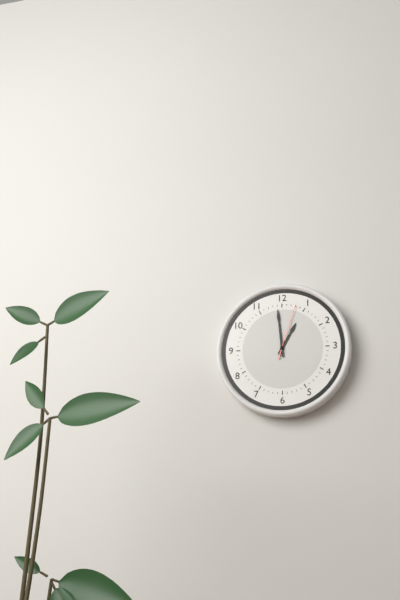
**12:59:03**
